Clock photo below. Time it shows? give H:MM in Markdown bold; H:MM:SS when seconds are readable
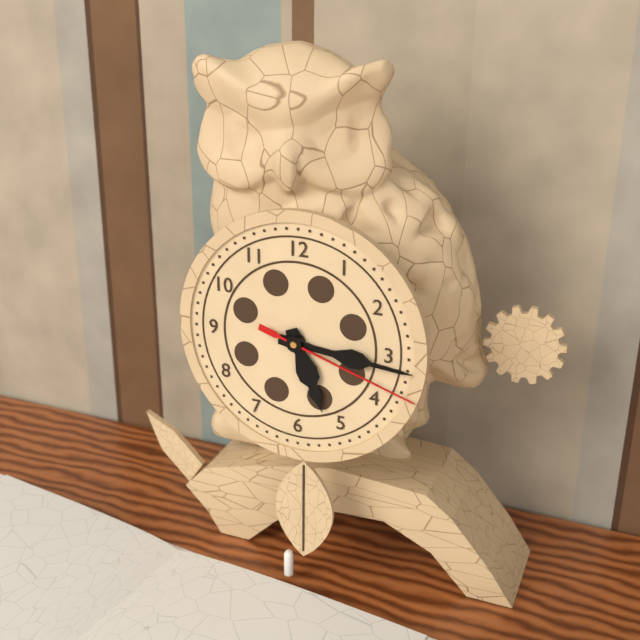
**5:16:18**
